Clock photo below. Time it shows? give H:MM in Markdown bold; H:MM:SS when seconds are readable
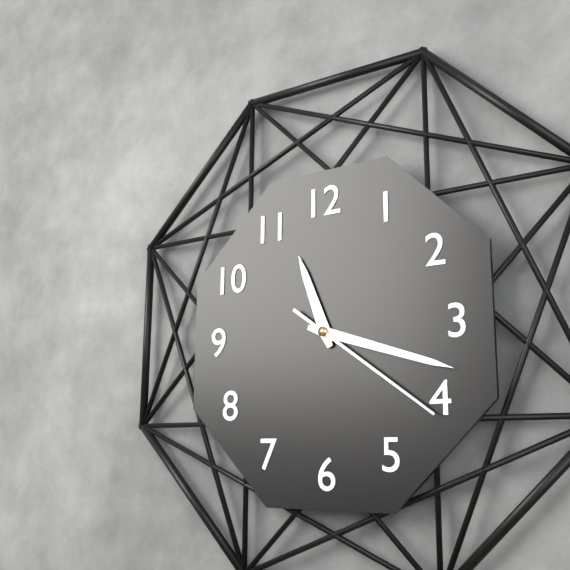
**11:18:21**
